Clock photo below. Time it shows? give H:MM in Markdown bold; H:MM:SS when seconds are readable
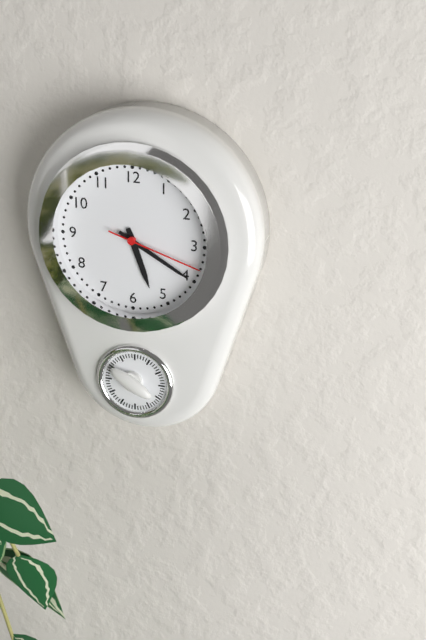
**5:20:18**
